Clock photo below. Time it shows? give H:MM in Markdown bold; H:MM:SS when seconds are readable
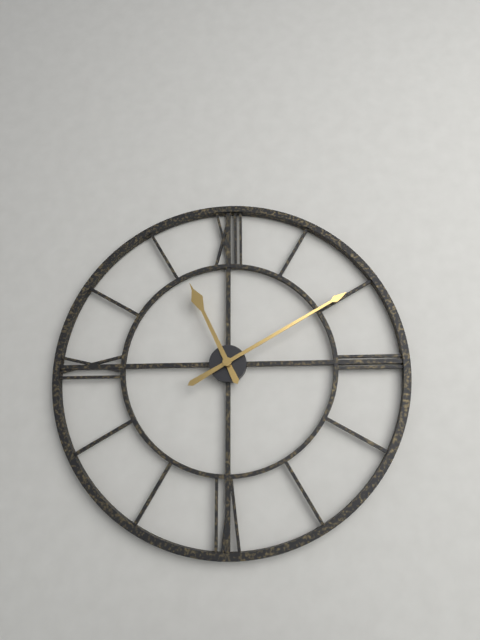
**11:10**
